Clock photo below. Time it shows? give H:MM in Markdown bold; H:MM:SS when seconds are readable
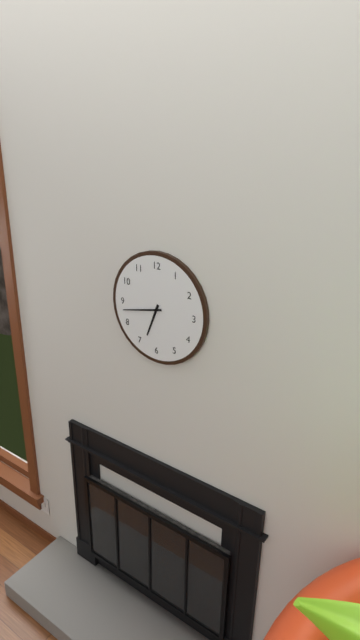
**6:43**
